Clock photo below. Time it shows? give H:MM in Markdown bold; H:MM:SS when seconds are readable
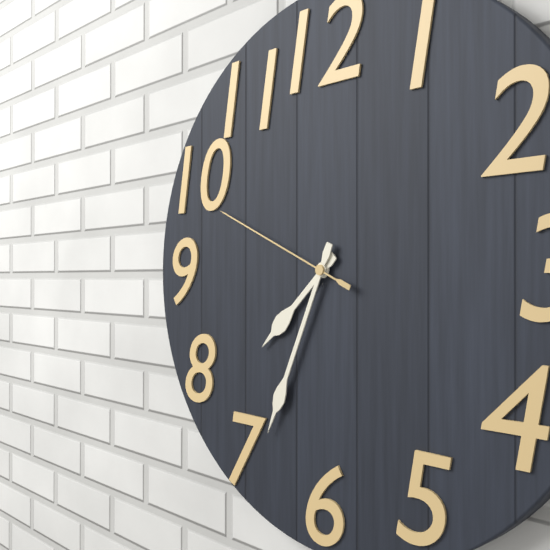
**7:34:49**
